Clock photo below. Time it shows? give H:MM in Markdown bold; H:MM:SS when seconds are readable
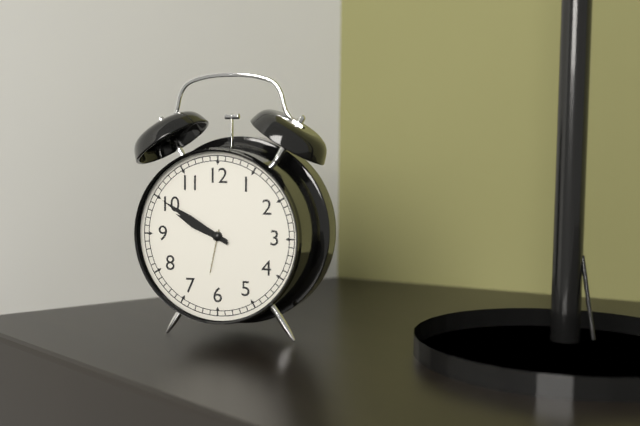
**9:50**
